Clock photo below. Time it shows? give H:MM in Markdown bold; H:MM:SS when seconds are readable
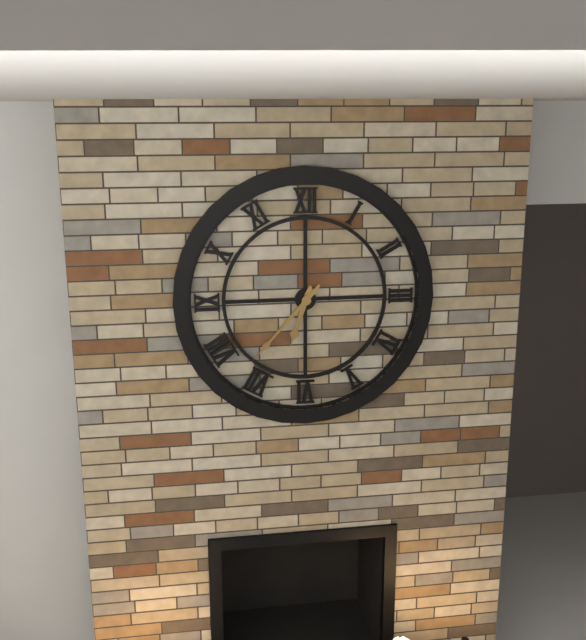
**6:37**
